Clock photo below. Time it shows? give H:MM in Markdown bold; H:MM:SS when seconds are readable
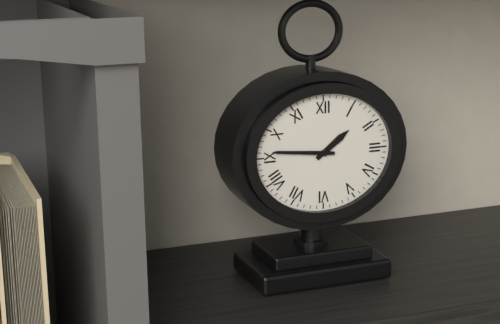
**1:46**
